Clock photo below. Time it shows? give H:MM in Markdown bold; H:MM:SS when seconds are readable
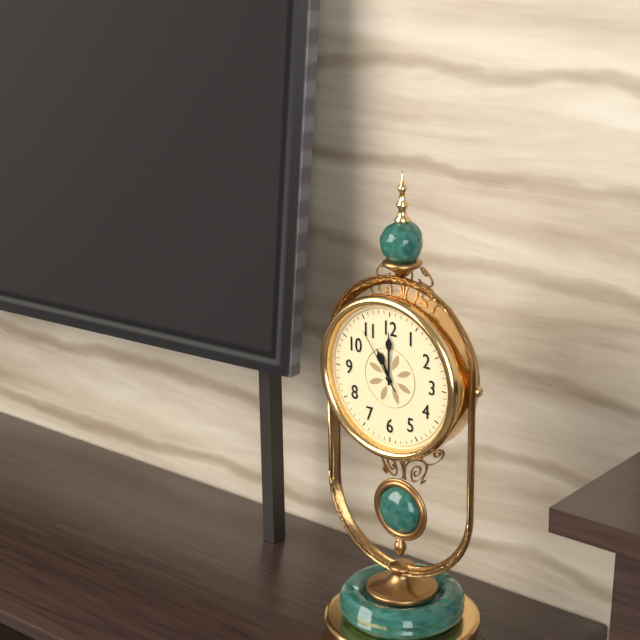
**11:00:54**
